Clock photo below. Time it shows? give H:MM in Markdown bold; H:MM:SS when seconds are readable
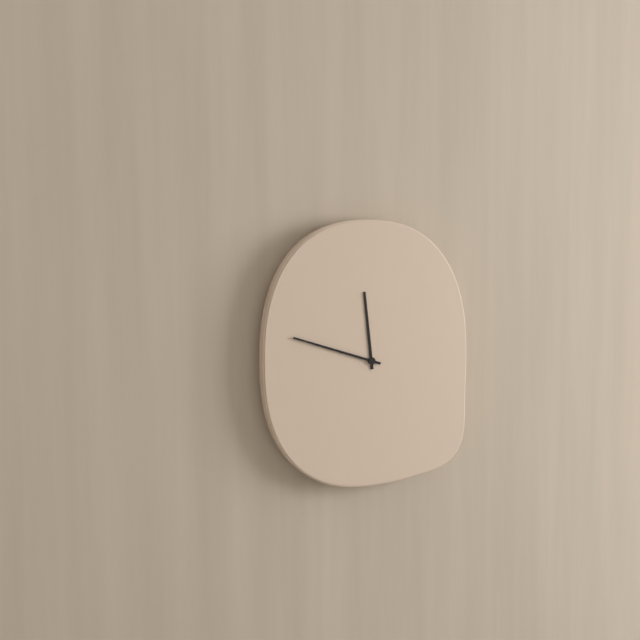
**11:48**
